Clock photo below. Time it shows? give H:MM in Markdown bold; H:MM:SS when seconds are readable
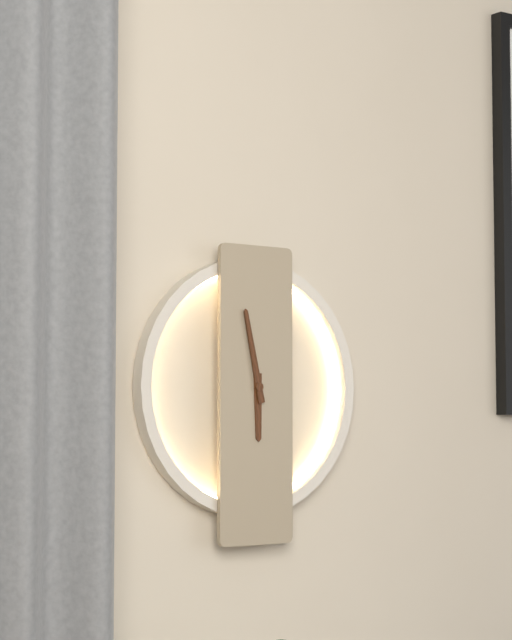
**5:58**
